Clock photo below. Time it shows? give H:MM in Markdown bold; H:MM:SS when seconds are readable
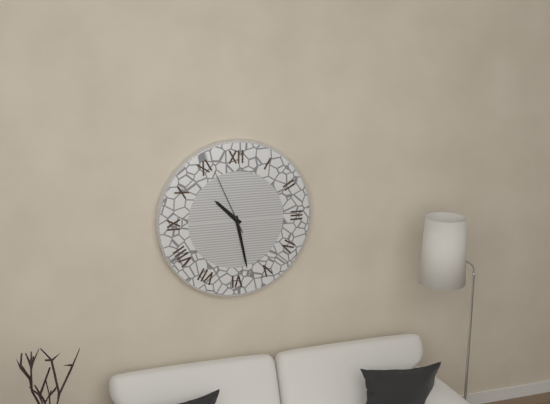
**10:28:56**
